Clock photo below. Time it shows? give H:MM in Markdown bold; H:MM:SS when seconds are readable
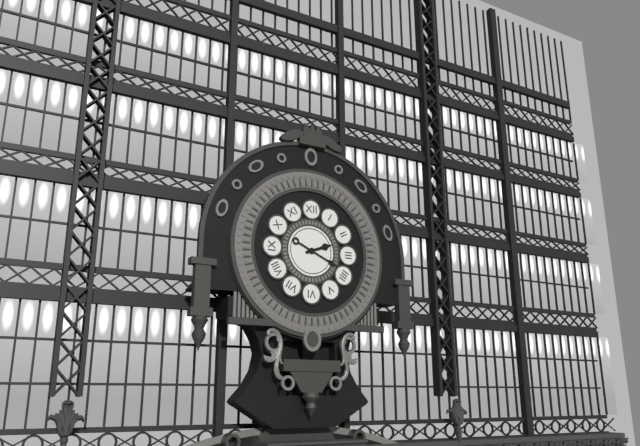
**2:19**
